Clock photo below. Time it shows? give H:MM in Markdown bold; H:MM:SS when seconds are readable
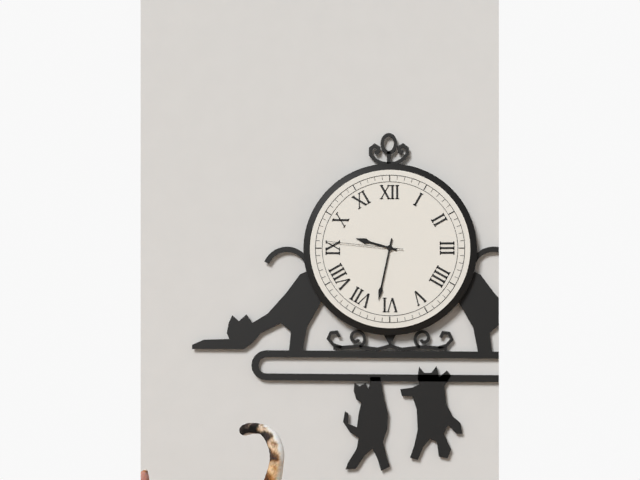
**9:32:46**
